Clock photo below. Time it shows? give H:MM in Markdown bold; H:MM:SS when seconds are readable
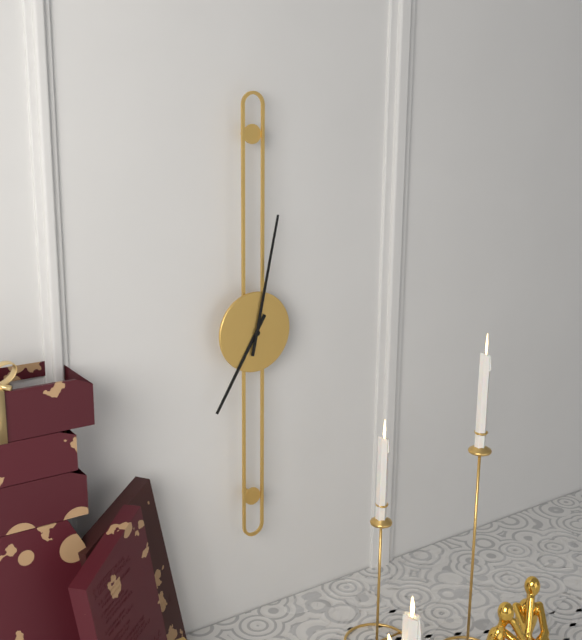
**7:02**
